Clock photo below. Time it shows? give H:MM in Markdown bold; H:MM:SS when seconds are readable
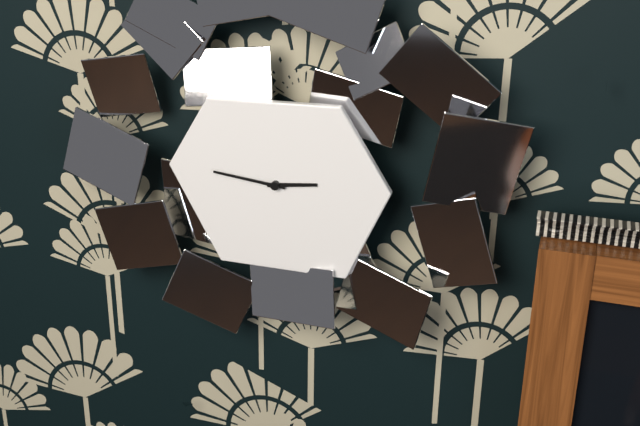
**2:46**
